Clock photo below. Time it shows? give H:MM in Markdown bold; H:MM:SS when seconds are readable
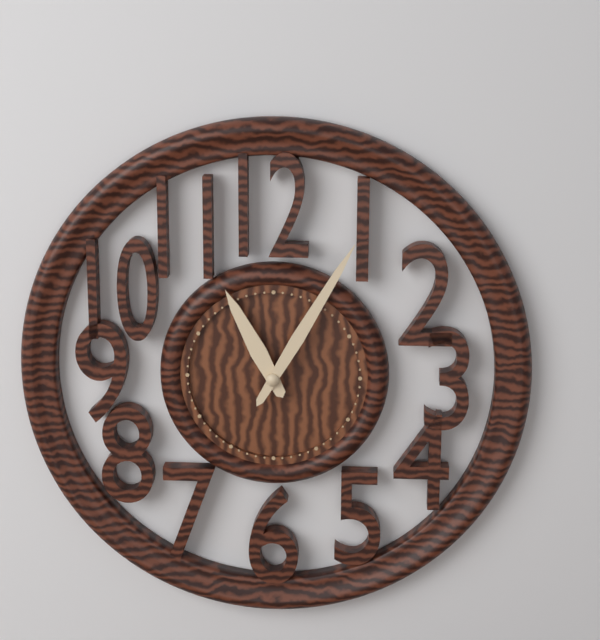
**11:05**
